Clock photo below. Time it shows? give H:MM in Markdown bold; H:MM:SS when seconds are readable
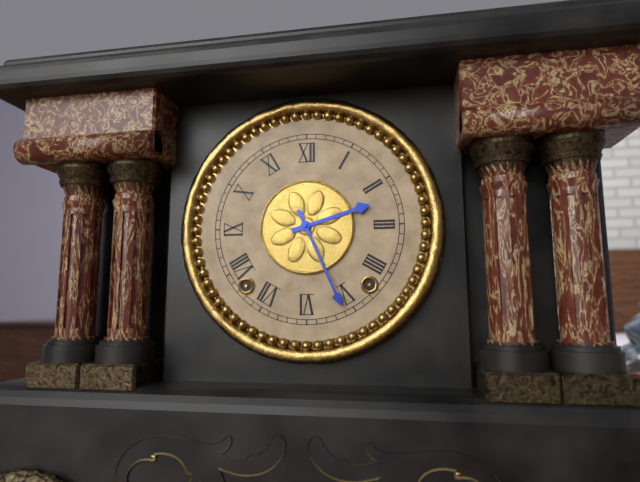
**2:26**
